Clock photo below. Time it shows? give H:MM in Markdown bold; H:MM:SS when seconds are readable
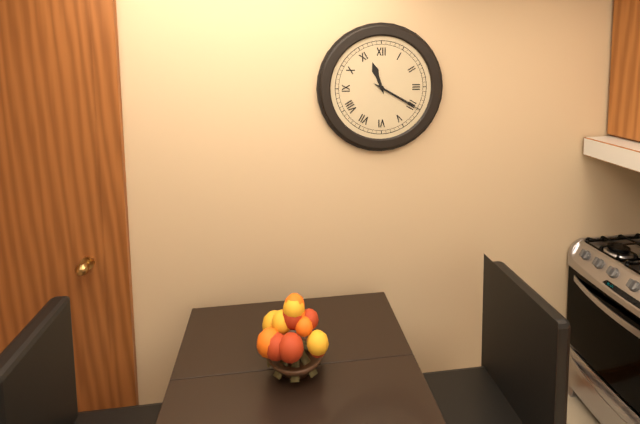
**11:20**
